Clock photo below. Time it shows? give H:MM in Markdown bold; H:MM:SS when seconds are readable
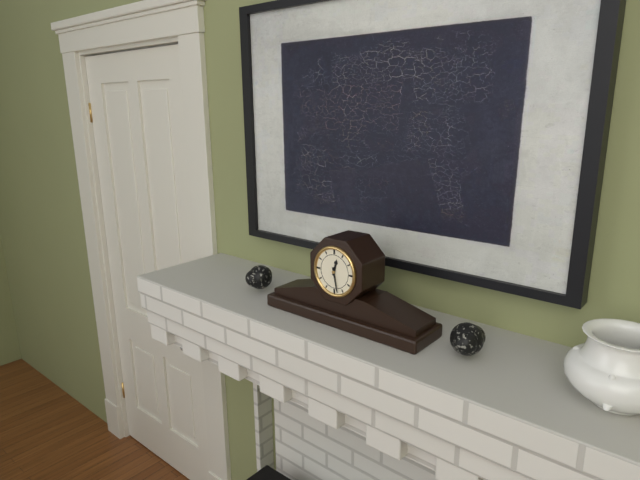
**12:28**
